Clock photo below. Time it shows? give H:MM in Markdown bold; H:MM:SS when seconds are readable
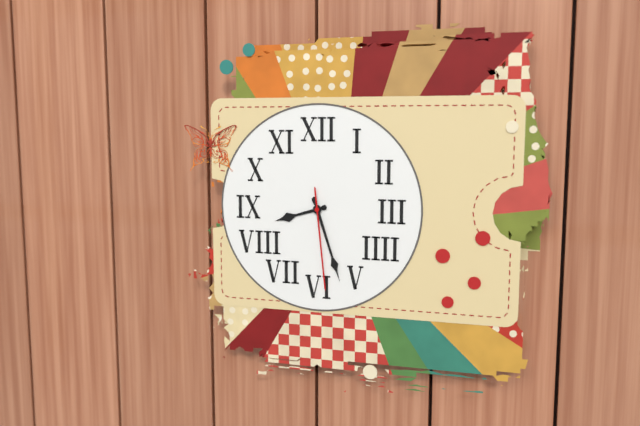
**8:27:29**
